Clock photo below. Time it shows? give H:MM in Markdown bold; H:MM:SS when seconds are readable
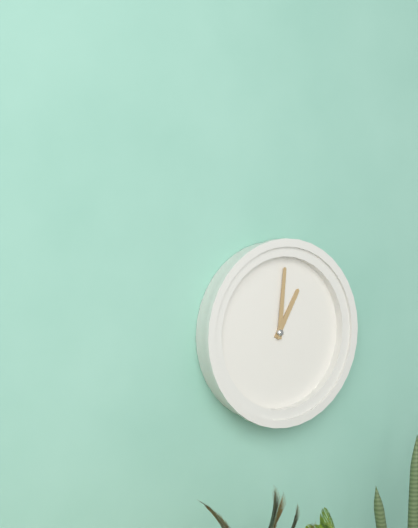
**1:01**
